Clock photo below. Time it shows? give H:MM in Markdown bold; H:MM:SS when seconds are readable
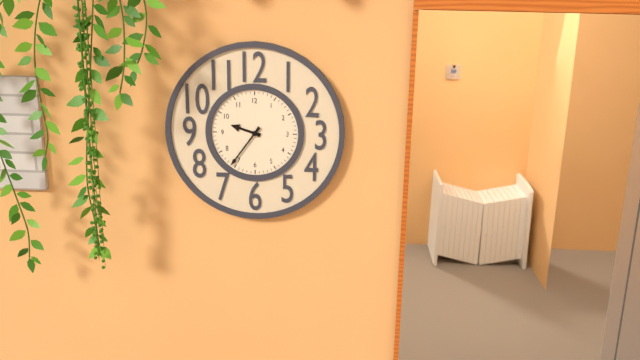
**9:36**
